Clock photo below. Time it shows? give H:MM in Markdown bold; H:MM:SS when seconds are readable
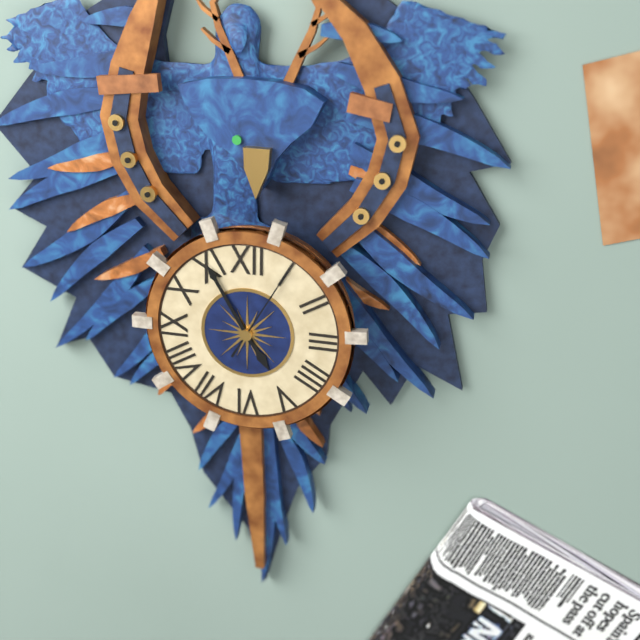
**4:55:05**
